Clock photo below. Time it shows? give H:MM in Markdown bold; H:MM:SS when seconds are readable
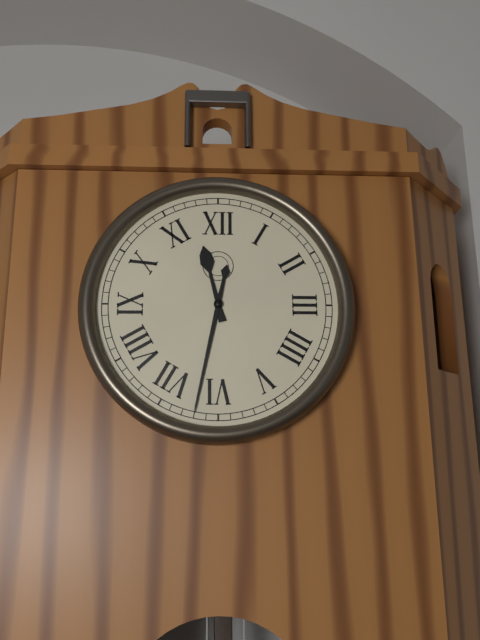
**11:32**
